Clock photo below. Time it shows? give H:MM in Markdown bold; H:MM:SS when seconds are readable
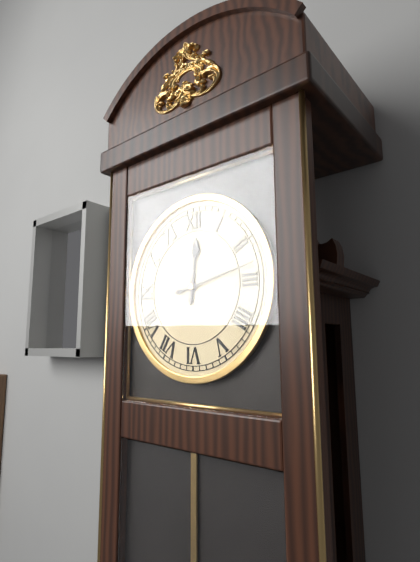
**12:13**
